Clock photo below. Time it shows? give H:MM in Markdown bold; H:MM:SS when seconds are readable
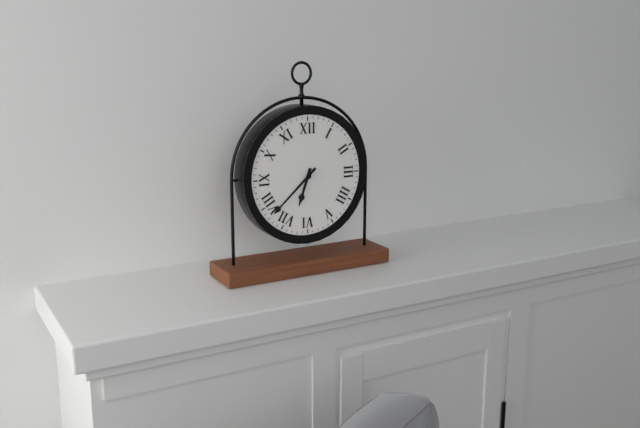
**6:38**
